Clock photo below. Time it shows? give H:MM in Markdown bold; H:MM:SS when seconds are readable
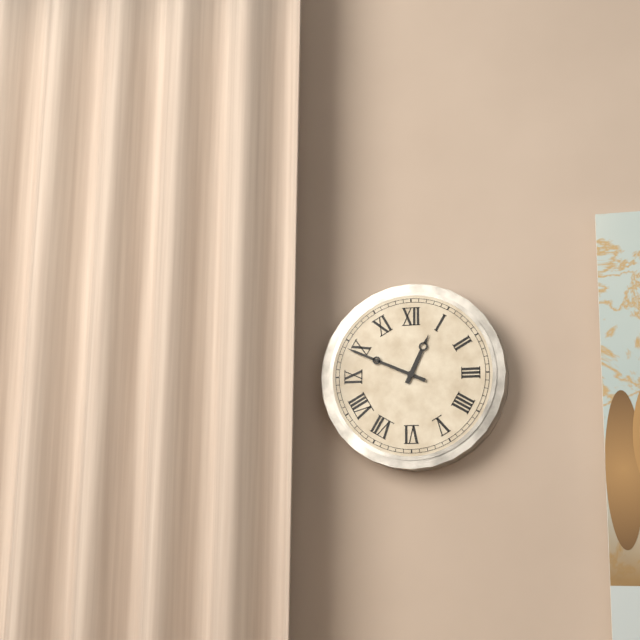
**12:49**
